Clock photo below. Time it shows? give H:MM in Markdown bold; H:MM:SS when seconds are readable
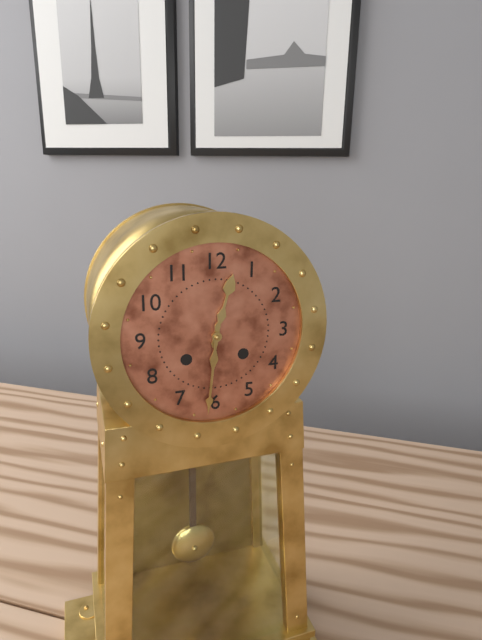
**12:31**
